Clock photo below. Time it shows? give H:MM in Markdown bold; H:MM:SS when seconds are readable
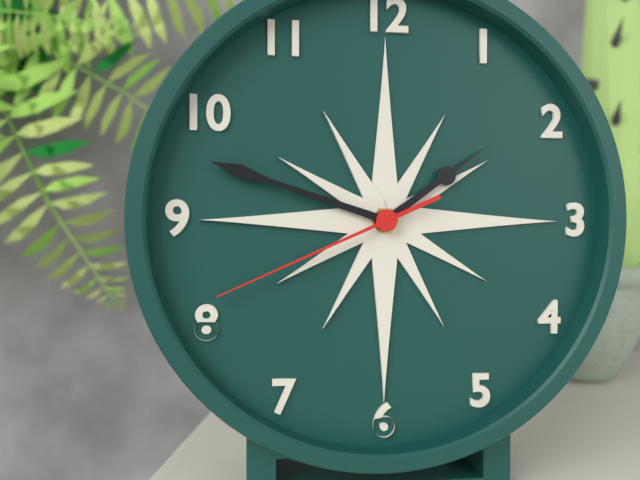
**1:48:41**
